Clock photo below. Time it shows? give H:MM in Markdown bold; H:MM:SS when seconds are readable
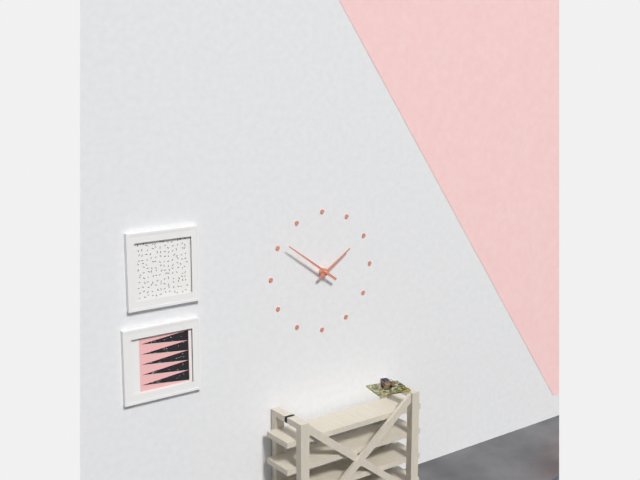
**1:51**
